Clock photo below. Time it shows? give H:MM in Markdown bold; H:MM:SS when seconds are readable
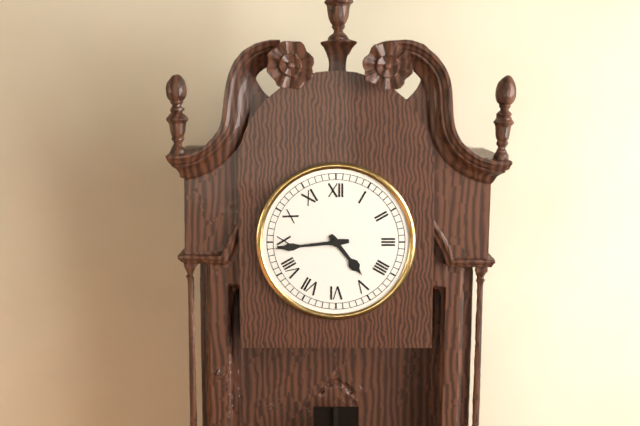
**4:44**
